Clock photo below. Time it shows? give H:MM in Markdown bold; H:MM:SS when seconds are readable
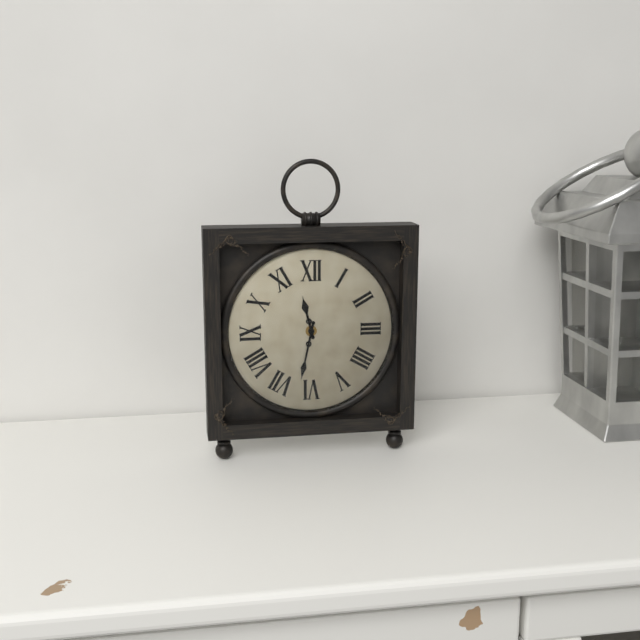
**11:32**
